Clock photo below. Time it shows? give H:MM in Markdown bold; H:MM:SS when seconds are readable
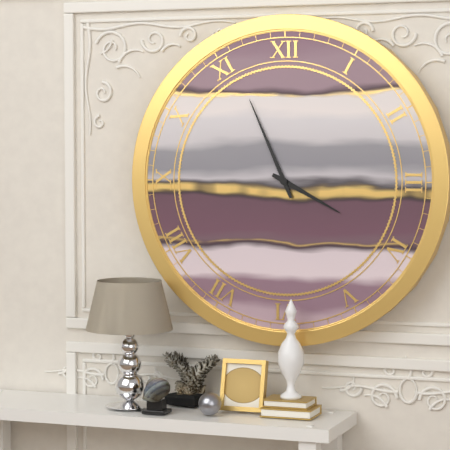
**3:56**
